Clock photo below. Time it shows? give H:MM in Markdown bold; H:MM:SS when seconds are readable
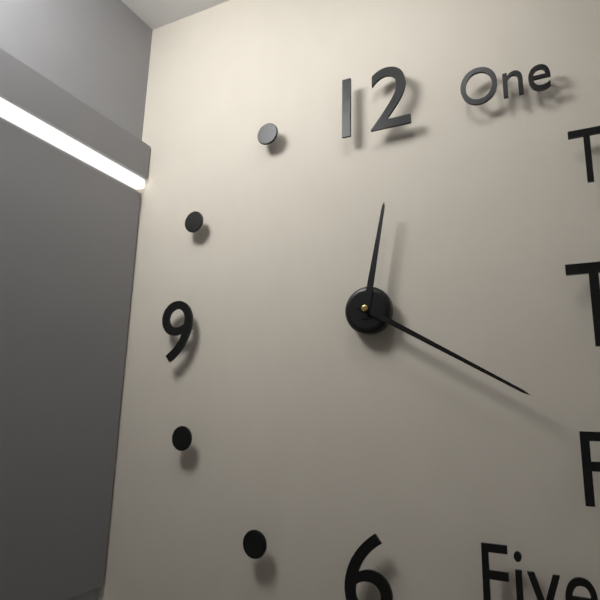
**12:20**
